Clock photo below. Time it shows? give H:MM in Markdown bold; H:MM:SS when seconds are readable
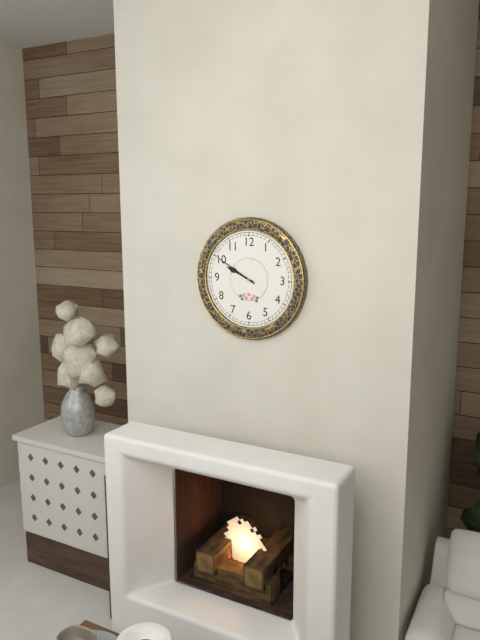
**9:50**
